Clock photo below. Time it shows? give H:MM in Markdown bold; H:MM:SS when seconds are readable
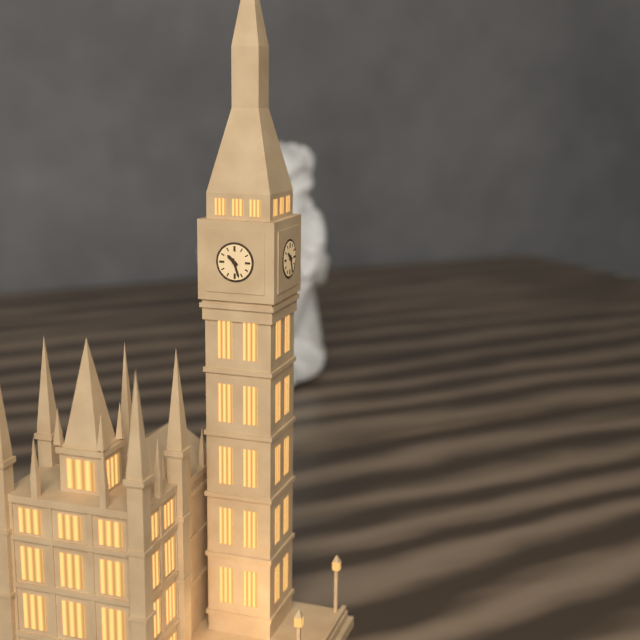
**10:27**
